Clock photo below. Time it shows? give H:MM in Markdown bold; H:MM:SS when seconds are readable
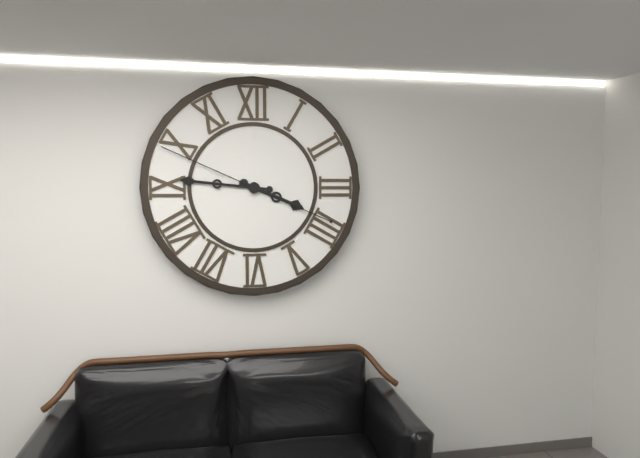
**3:46:49**
